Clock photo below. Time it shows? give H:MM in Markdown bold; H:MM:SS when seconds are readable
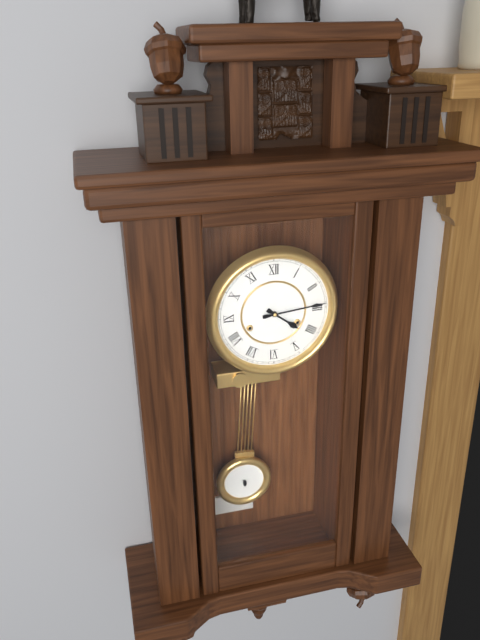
**4:14**
